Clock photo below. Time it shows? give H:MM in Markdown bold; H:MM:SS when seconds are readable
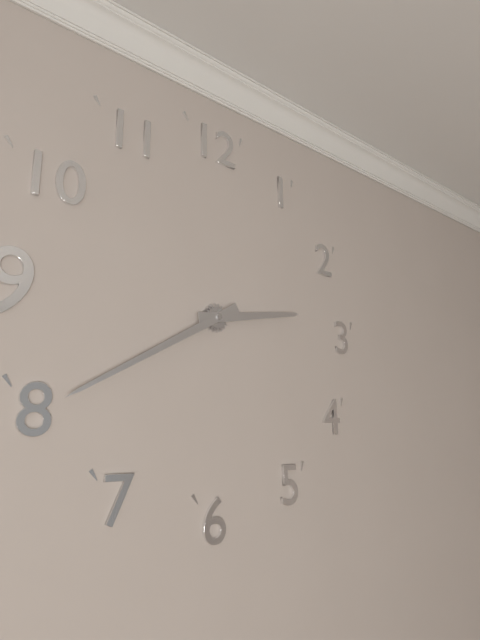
**2:40**
